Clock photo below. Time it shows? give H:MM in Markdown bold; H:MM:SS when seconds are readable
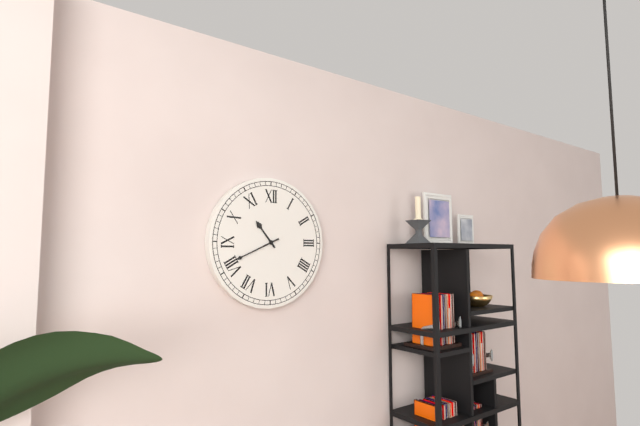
**10:41**
